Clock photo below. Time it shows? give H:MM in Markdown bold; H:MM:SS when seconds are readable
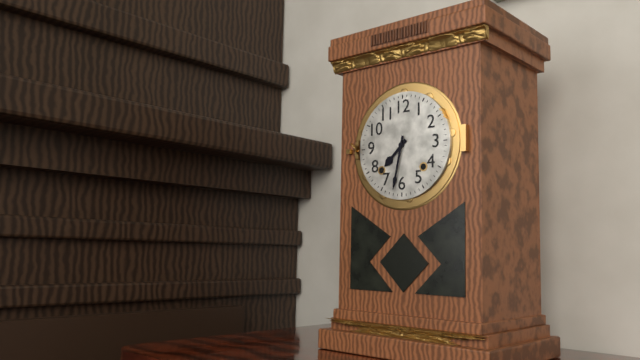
**7:32**
